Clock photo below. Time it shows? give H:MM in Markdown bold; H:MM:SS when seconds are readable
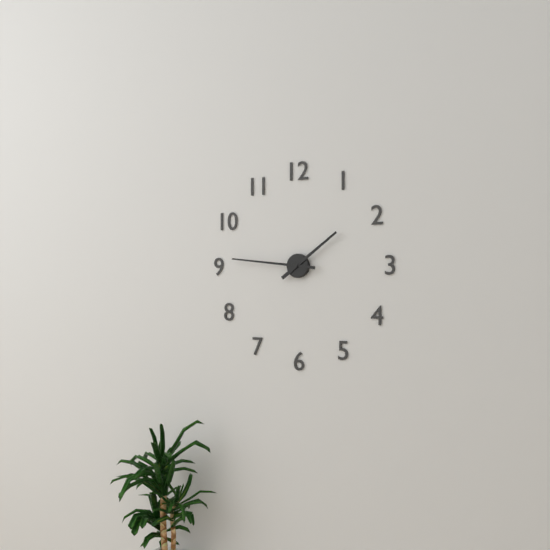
**1:46**
